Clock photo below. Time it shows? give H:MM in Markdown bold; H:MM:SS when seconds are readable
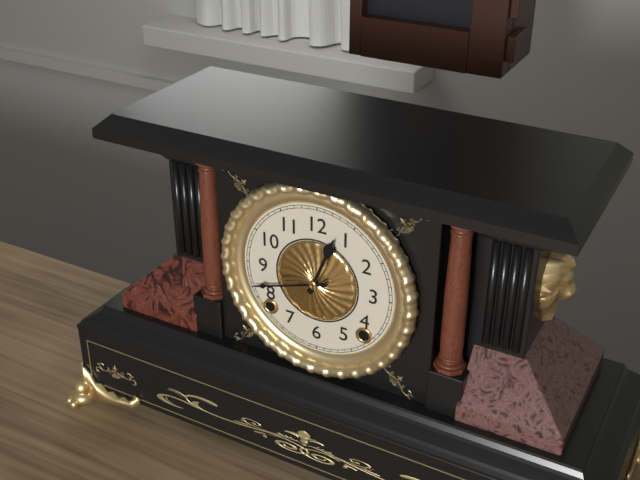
**12:42**
